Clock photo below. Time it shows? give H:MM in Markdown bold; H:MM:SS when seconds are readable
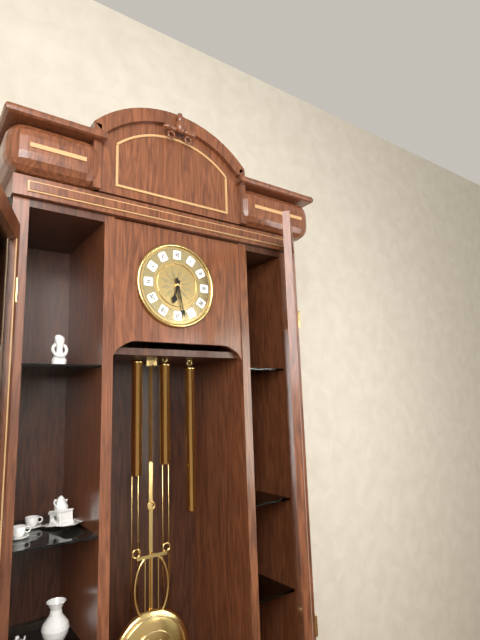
**6:28**
